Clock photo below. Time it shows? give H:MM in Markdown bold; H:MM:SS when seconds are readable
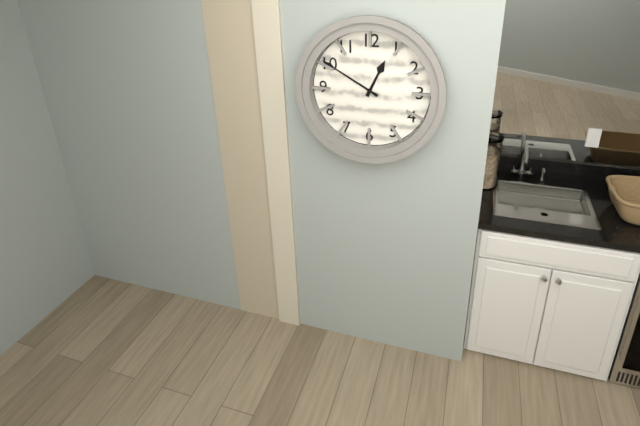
**12:50**
